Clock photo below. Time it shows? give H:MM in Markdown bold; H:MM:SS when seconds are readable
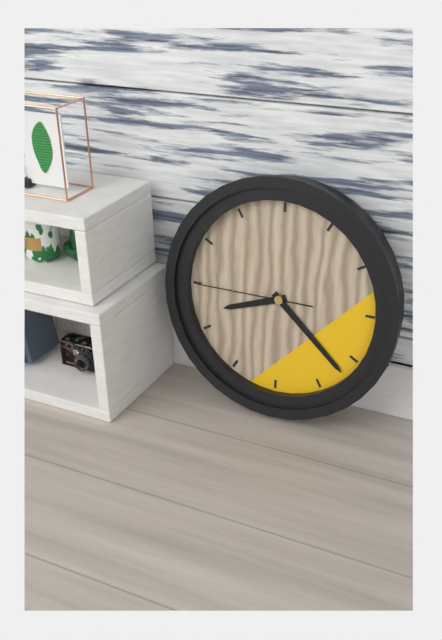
**8:22:45**
